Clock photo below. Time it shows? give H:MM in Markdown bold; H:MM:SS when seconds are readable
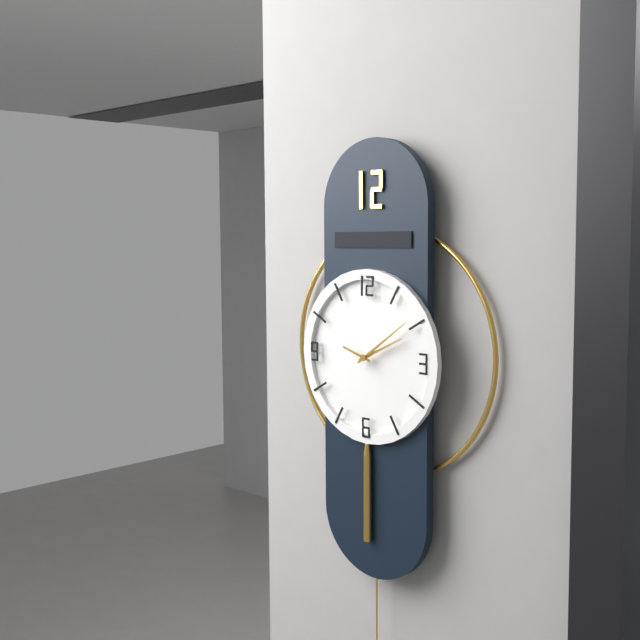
**2:09**
